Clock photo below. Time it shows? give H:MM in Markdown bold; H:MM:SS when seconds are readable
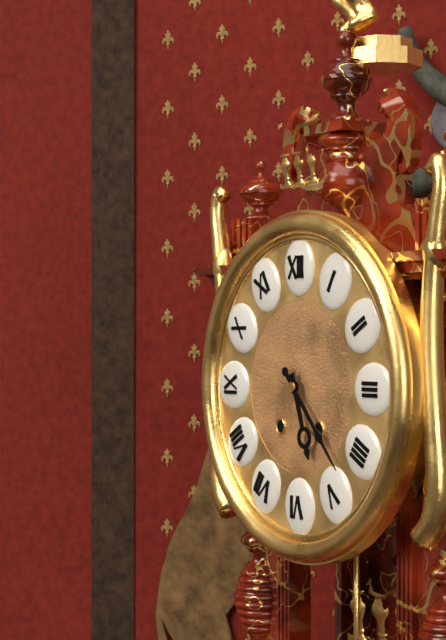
**5:23**
